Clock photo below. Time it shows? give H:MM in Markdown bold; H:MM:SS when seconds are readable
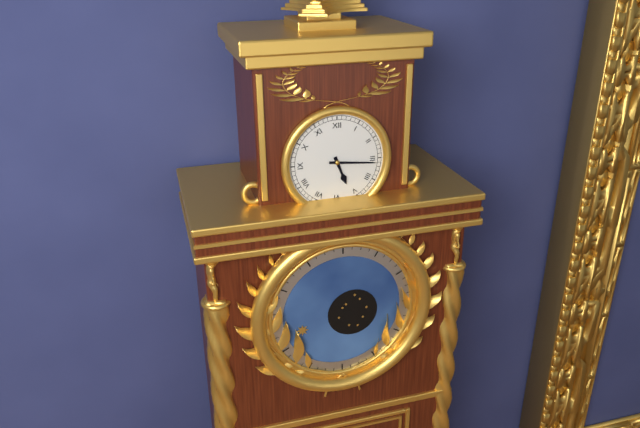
**5:16**
